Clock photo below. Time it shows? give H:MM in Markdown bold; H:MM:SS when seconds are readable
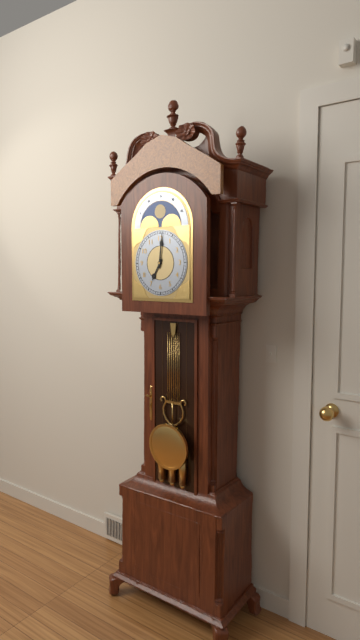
**7:01**
